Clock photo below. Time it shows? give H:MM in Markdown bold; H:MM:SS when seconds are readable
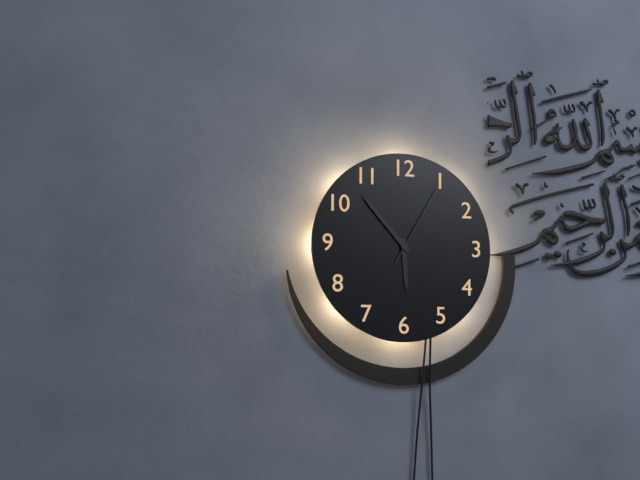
**5:53:05**
